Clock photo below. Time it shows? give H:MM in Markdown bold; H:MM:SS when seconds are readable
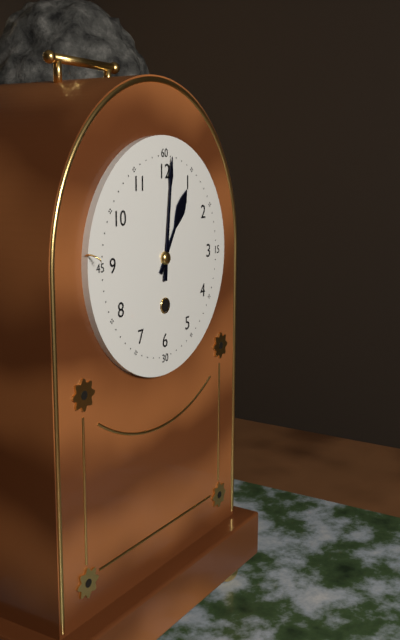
**1:01**
